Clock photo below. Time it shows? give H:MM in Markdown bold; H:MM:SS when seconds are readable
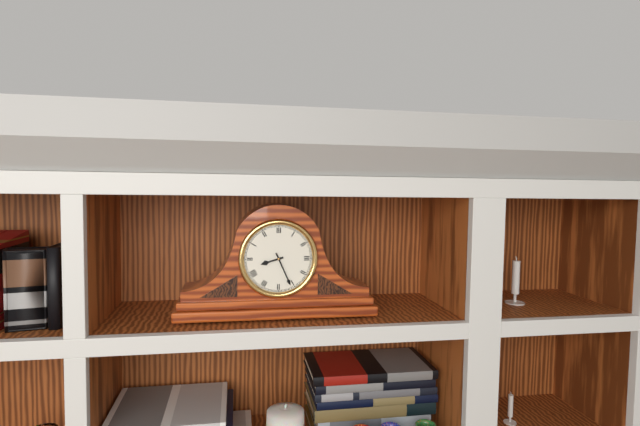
**8:26**
